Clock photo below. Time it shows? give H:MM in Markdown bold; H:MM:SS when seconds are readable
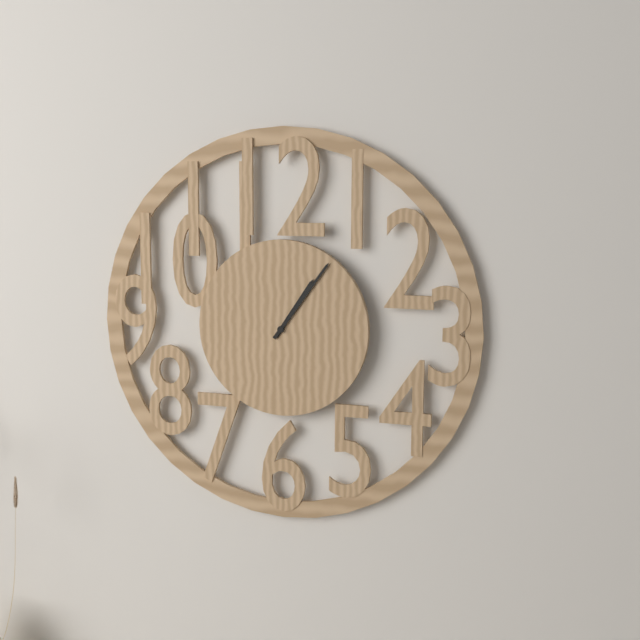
**1:06**
